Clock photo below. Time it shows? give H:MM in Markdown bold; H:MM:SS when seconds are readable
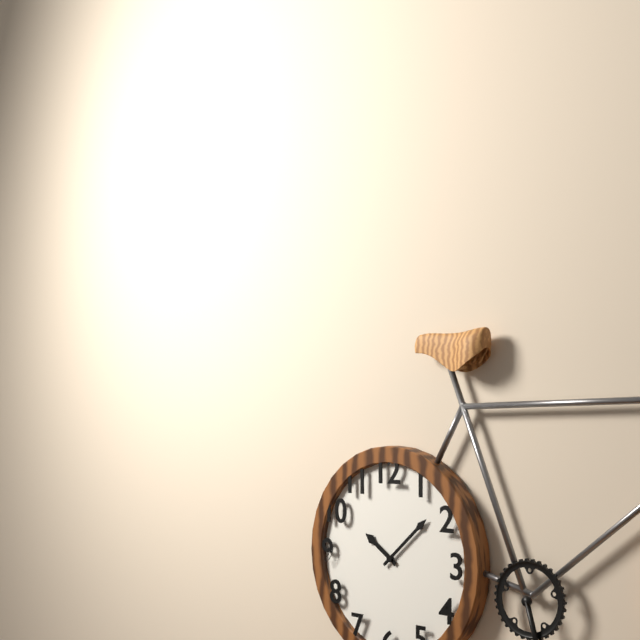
**10:08**
